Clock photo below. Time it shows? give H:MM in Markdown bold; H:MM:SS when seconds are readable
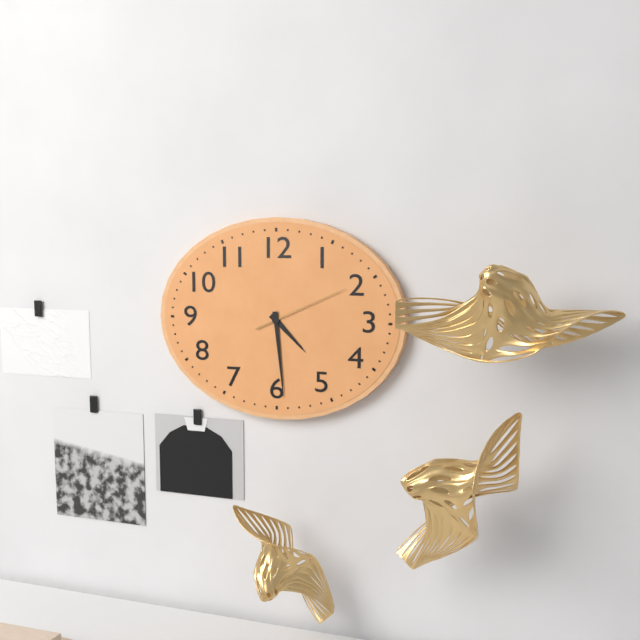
**4:29:11**
